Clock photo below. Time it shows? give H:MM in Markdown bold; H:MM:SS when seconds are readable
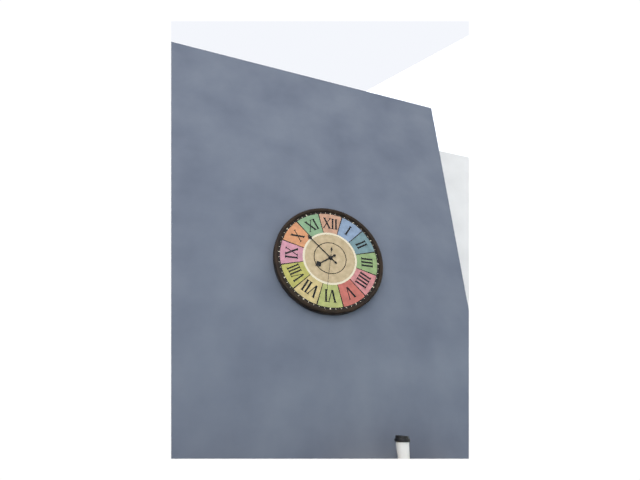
**7:52**
